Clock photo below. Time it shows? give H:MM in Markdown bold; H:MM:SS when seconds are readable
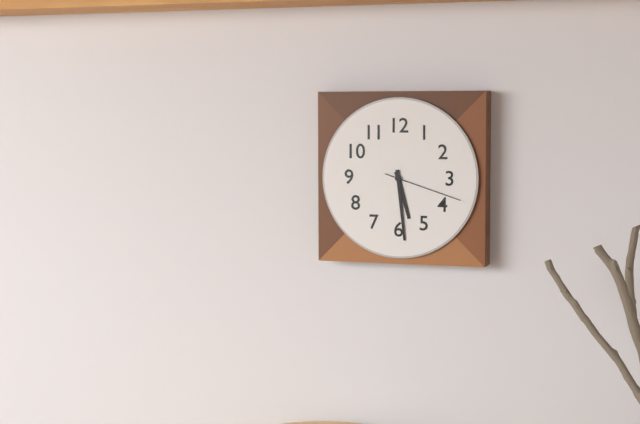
**5:29:18**
